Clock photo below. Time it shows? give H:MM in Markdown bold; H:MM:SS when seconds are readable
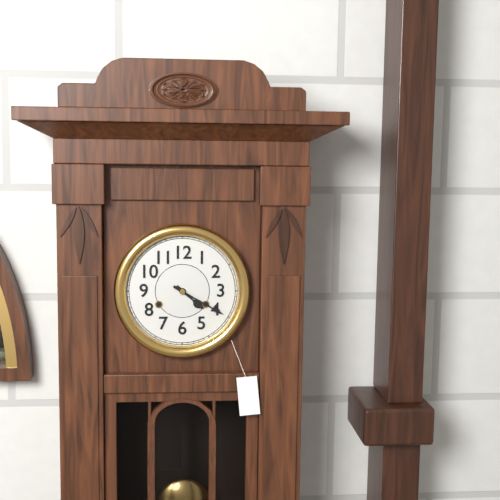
**4:20**
